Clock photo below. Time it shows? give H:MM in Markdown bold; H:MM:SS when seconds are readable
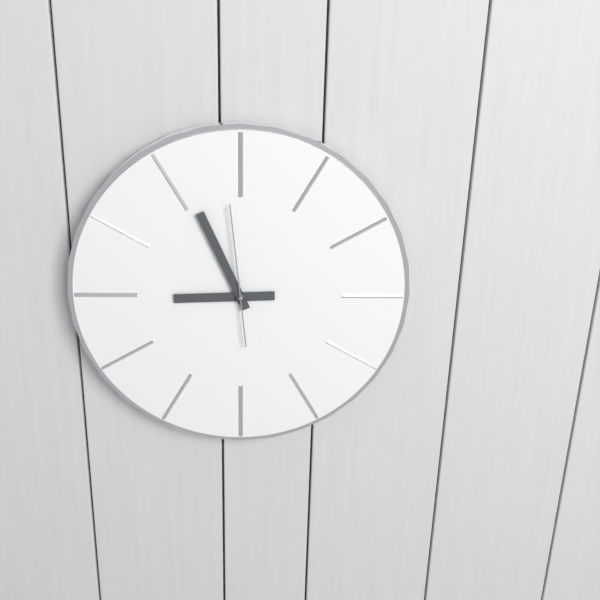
**8:56:59**
